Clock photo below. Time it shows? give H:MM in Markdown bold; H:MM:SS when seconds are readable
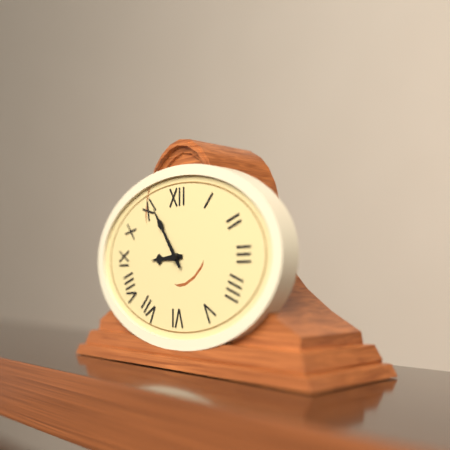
**8:54**
